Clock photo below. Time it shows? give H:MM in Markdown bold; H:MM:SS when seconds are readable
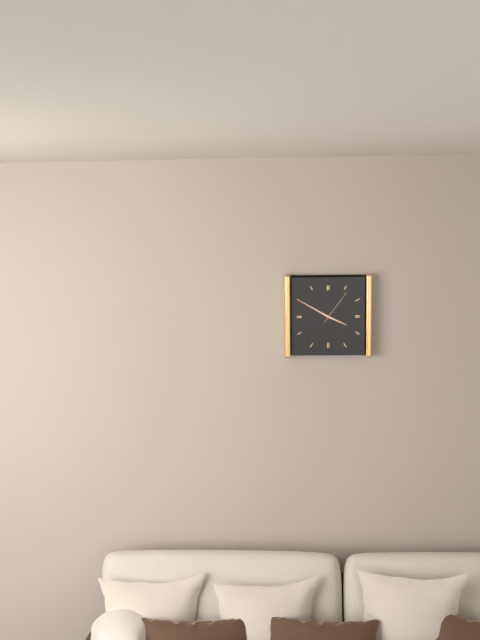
**3:50**
